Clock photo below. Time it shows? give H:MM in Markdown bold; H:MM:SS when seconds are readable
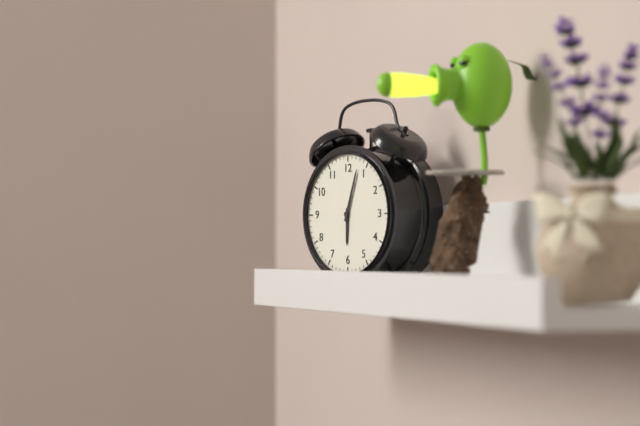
**6:03**
